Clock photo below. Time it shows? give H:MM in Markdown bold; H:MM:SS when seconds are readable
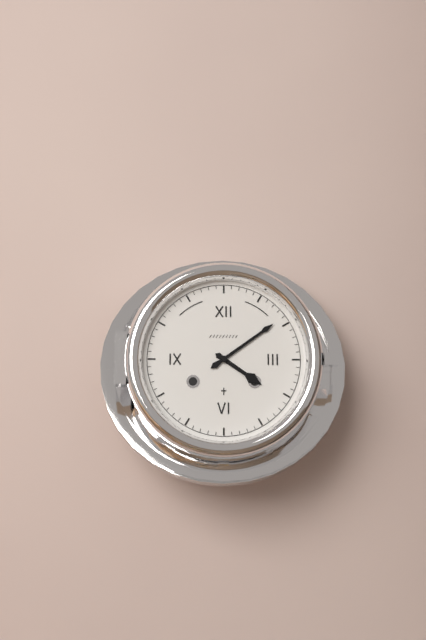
**4:09**
